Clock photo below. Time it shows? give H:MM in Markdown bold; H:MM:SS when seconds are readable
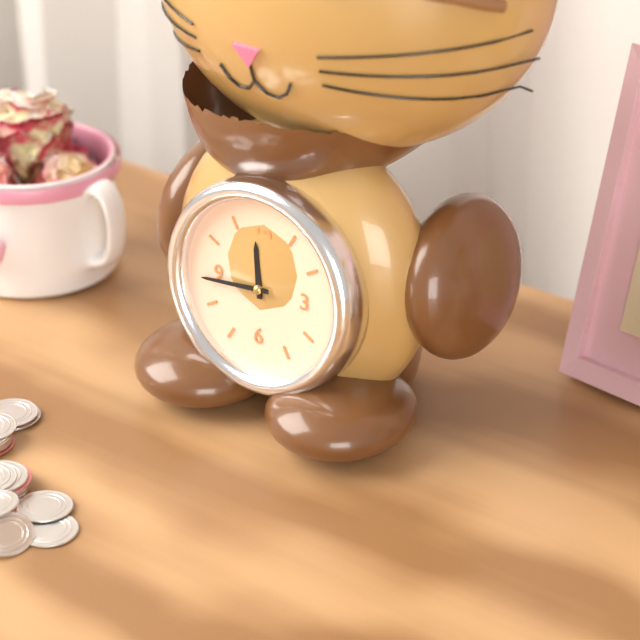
**11:44**
